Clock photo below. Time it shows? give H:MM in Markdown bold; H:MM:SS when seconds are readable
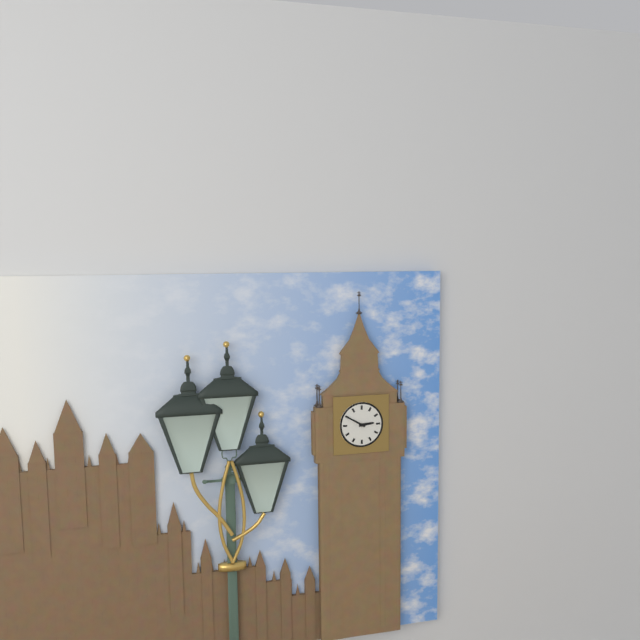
**2:50**
